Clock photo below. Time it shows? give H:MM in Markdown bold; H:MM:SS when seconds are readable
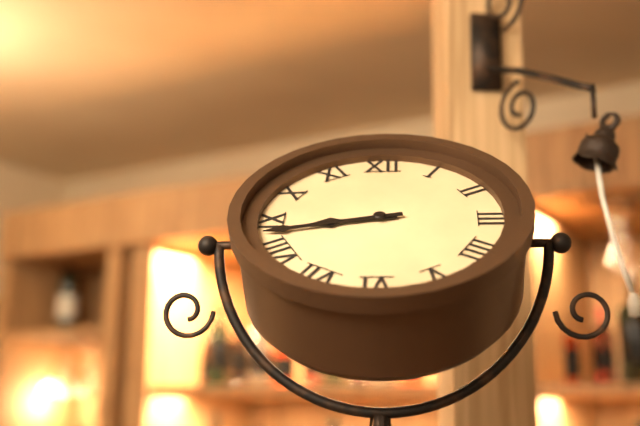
**8:43**
